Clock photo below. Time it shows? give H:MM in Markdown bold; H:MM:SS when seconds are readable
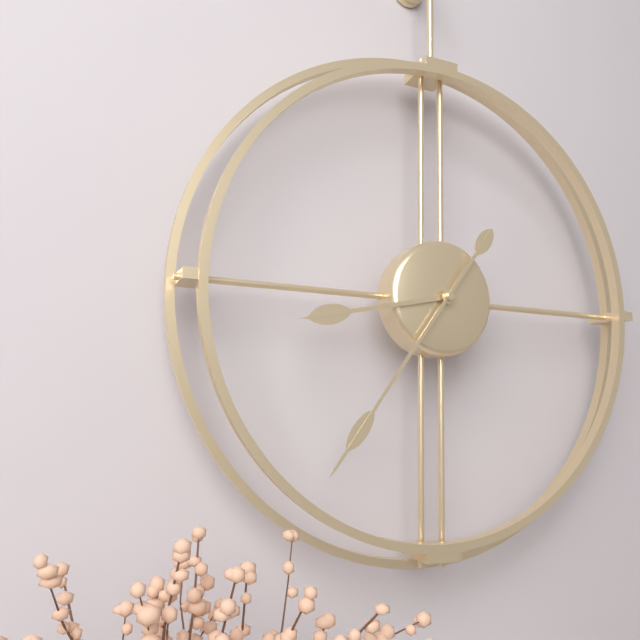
**8:36**
